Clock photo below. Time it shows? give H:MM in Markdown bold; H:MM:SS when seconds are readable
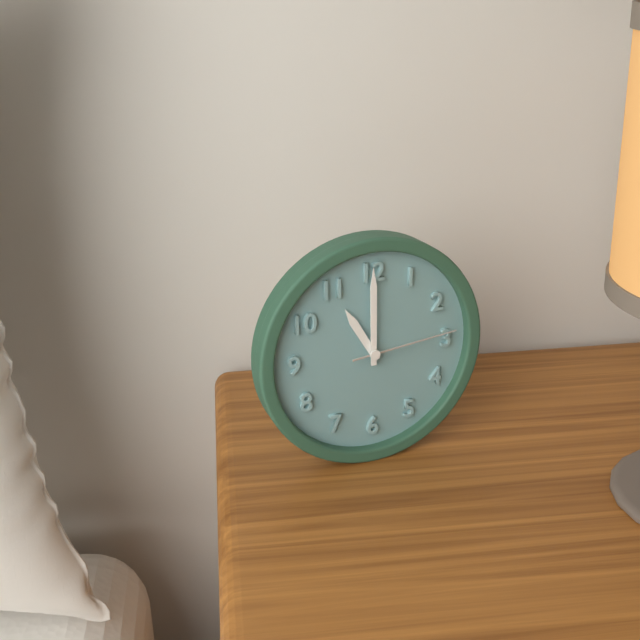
**11:00:14**
